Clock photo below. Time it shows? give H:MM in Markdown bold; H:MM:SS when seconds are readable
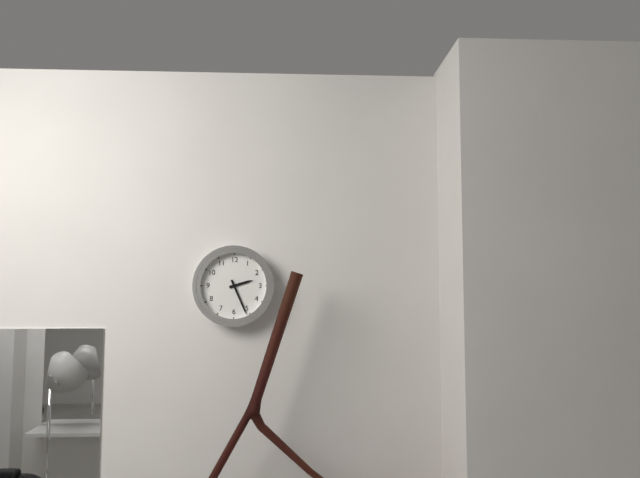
**2:26**
